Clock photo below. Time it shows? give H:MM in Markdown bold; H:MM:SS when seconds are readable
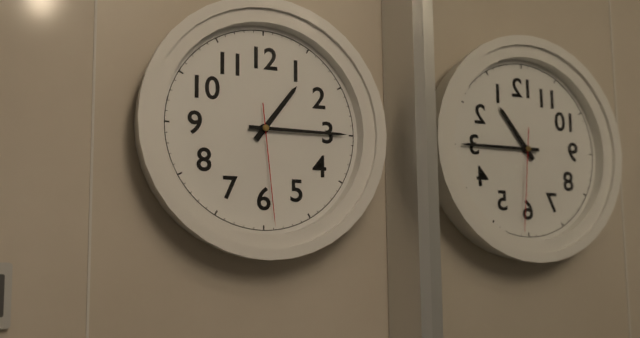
**1:15:29**
